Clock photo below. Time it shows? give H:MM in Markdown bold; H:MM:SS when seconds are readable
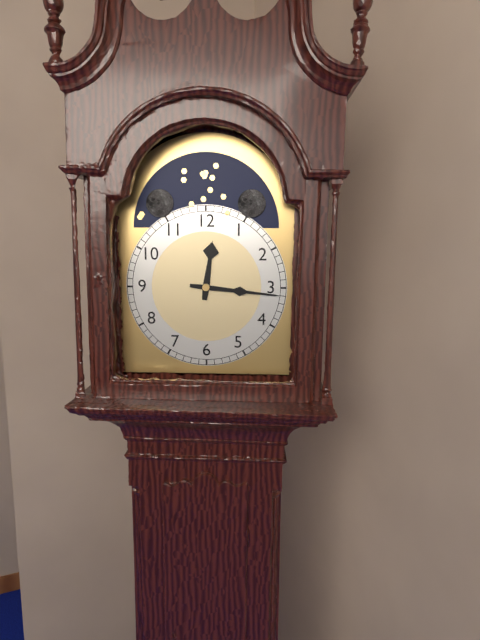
**12:16**
